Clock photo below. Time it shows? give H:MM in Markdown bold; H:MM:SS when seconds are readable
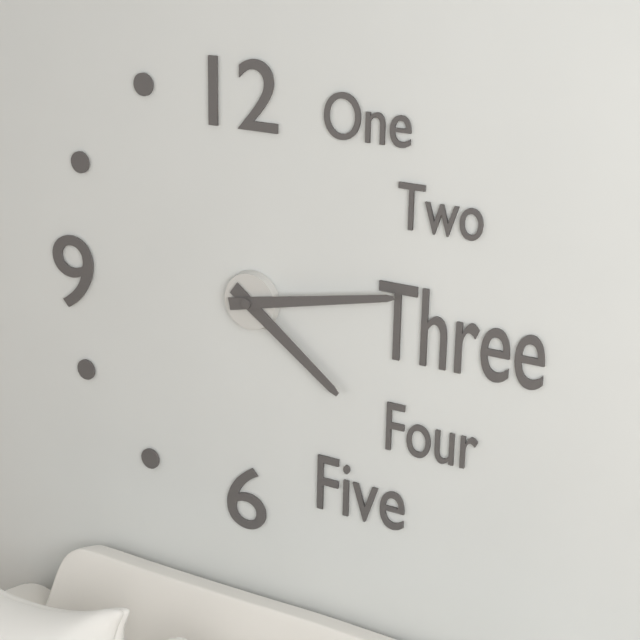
**4:13**
